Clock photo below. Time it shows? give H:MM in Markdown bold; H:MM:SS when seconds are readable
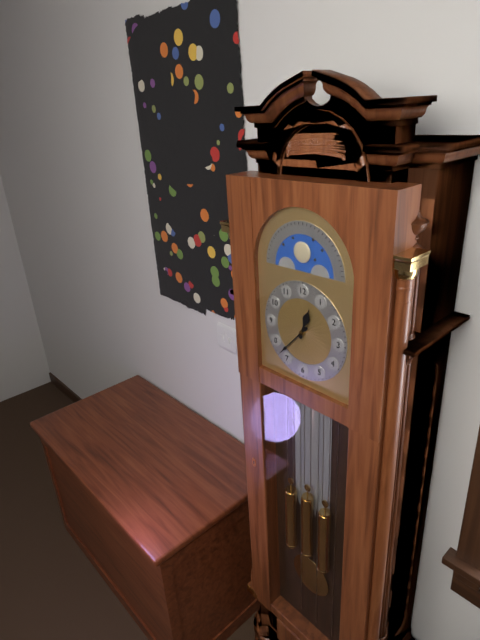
**12:37**
